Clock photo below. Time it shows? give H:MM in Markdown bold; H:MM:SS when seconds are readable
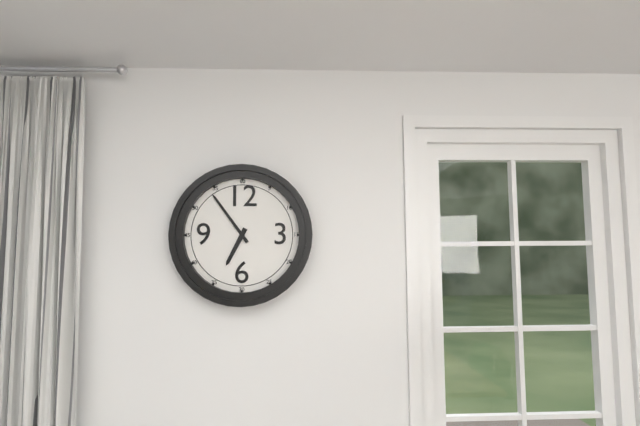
**6:54**
